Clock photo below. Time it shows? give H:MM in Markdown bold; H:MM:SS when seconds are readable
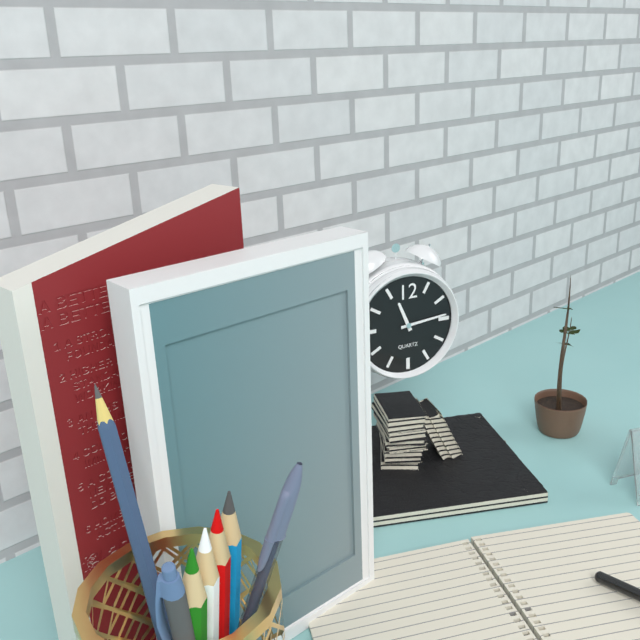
**11:14**
